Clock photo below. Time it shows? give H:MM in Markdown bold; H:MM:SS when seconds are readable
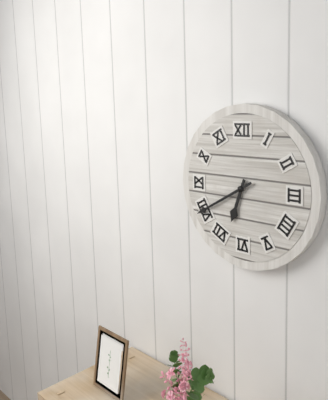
**6:40**
